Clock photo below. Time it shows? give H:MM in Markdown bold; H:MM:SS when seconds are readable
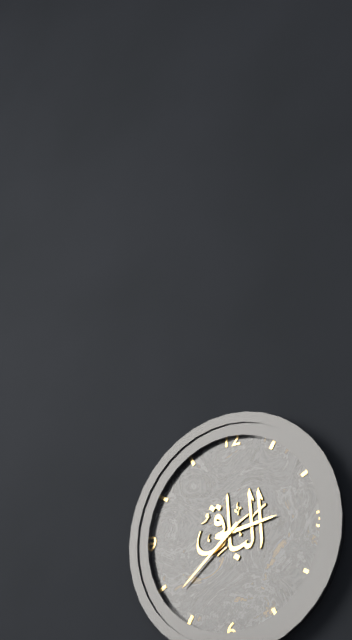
**2:38**
